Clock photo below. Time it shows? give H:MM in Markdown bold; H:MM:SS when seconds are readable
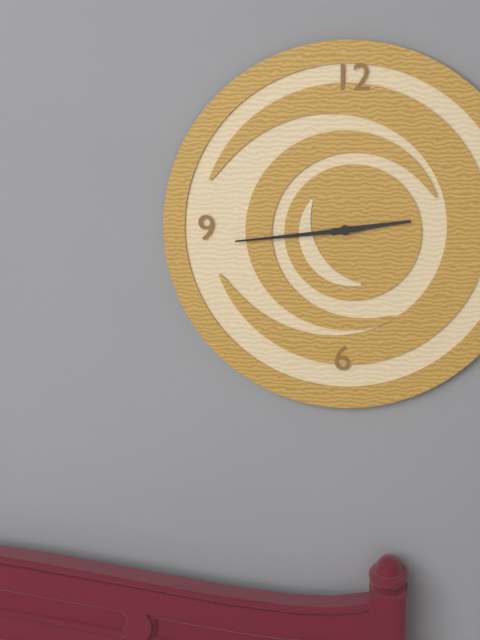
**2:44**
